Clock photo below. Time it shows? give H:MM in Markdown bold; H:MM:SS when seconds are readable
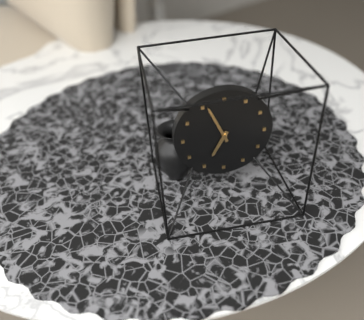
**6:56**
